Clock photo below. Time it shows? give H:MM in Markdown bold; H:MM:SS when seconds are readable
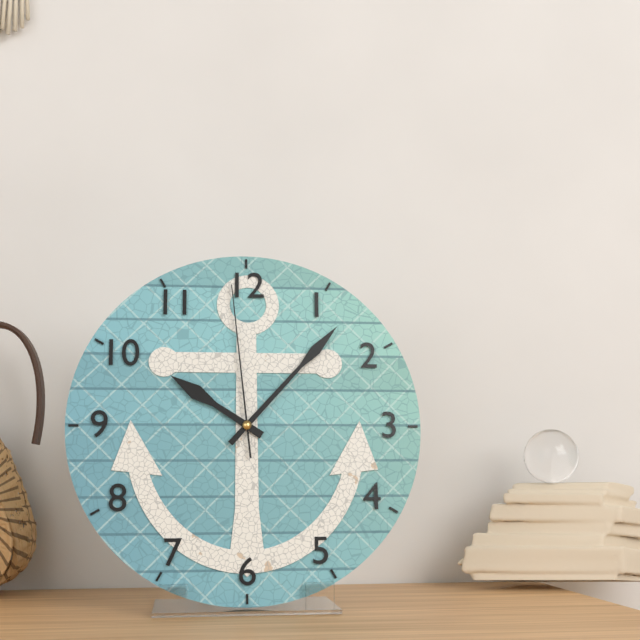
**10:07:59**
